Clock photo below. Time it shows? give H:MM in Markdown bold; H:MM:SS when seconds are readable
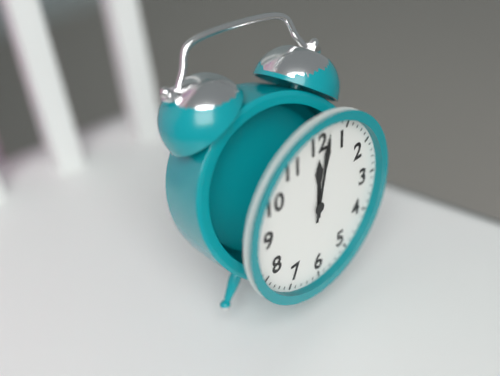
**12:02**
